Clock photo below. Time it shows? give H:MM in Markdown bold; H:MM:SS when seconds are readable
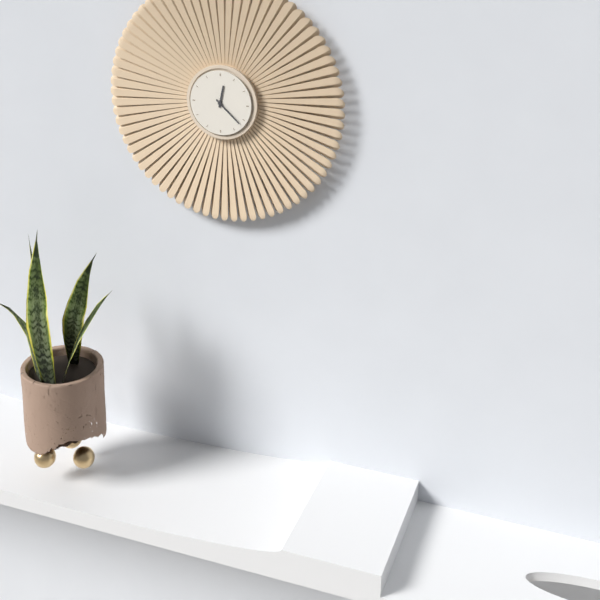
**12:22**
